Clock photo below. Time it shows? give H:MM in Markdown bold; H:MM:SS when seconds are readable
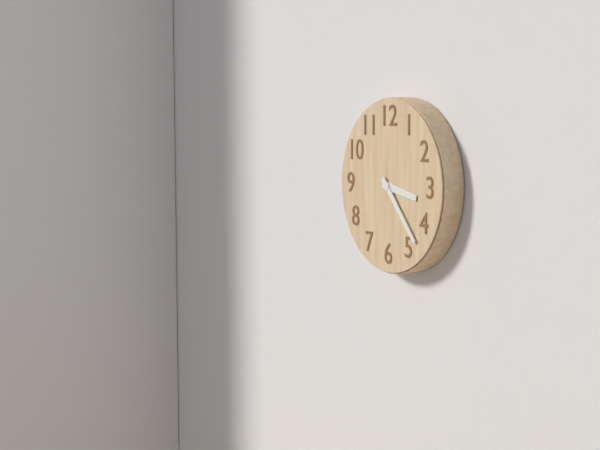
**3:23**
